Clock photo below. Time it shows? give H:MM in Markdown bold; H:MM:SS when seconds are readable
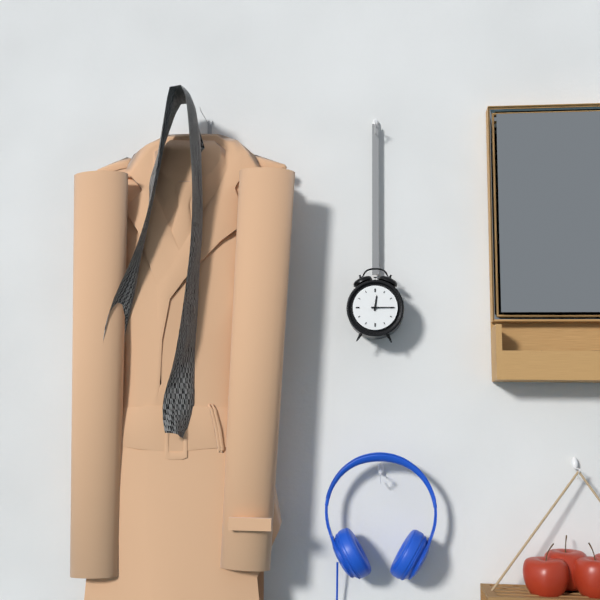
**12:15**
